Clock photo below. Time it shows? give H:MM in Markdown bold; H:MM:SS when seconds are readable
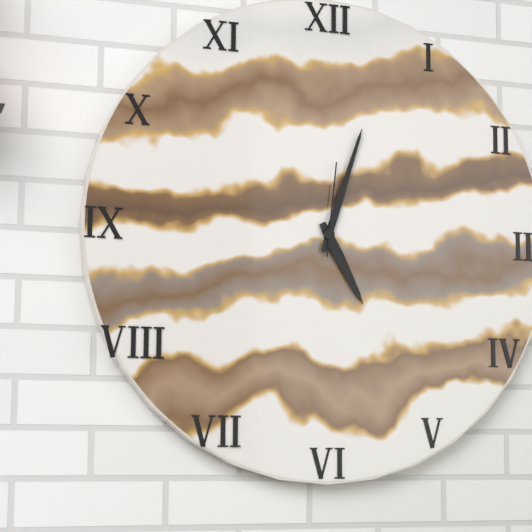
**5:03:01**
